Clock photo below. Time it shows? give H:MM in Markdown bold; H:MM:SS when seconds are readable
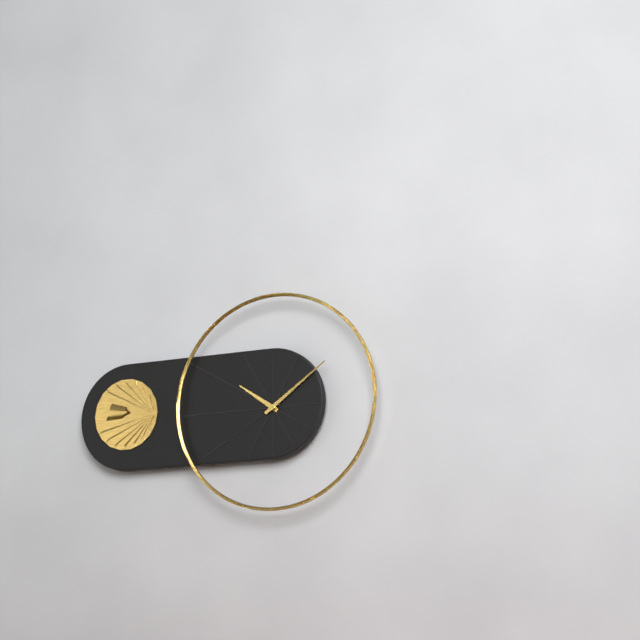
**10:09**
